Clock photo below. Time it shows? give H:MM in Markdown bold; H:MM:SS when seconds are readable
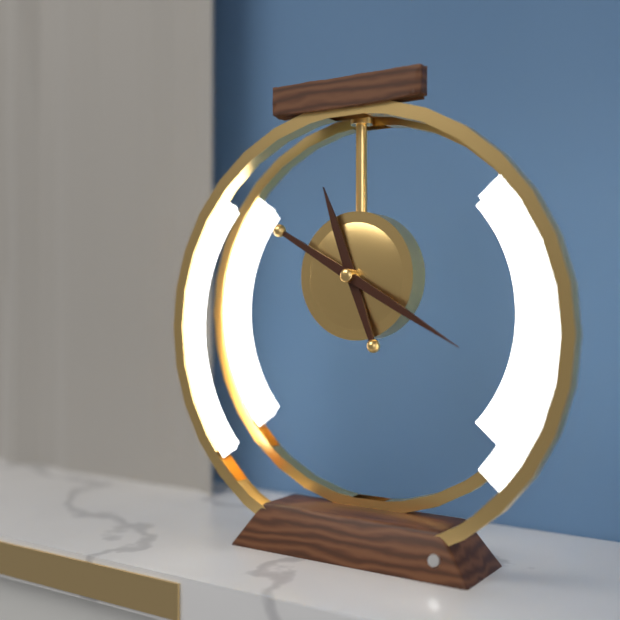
**11:20**
